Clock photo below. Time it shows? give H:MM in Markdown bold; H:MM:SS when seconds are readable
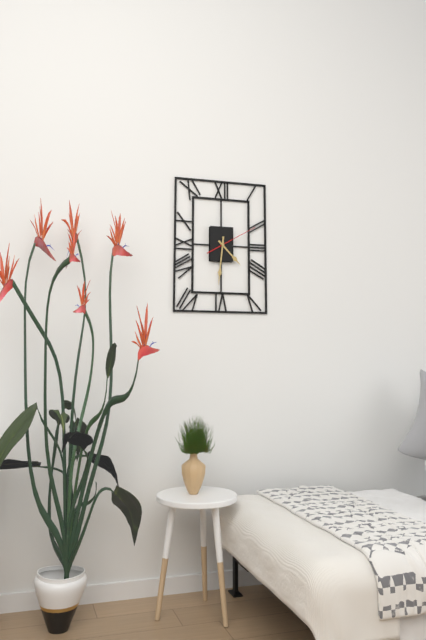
**4:31**
